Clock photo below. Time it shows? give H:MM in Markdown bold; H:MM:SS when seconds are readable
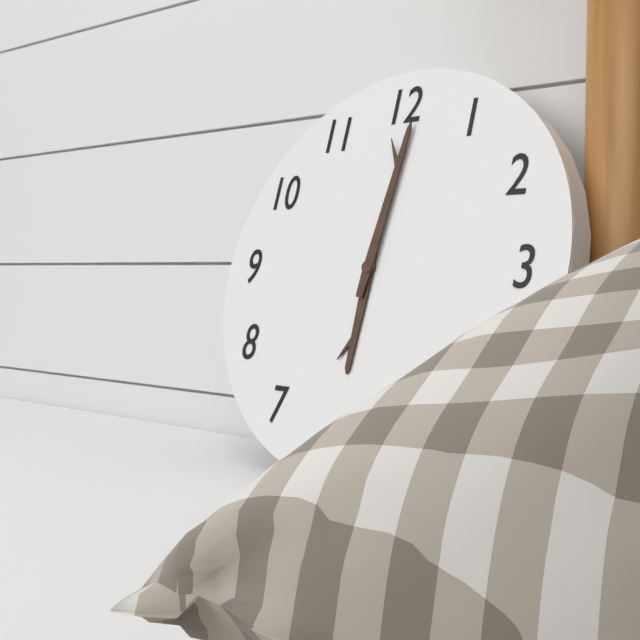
**6:01**
